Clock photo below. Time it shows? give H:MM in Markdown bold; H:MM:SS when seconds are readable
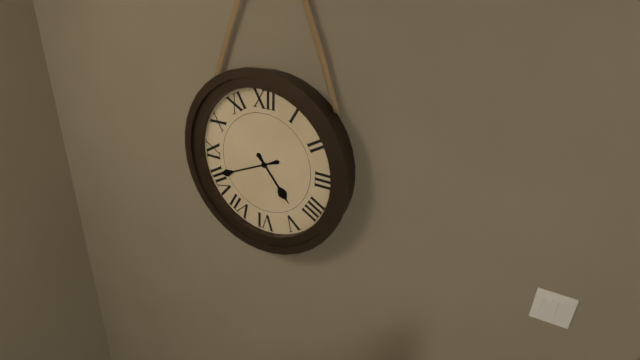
**4:41**
